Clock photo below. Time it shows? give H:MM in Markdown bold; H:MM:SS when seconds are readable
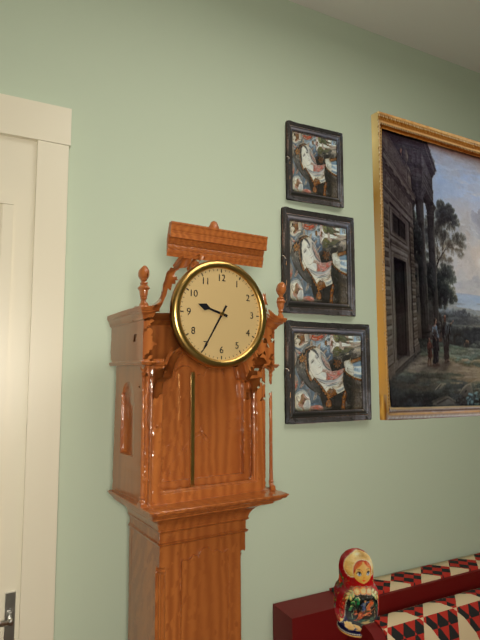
**9:35**
